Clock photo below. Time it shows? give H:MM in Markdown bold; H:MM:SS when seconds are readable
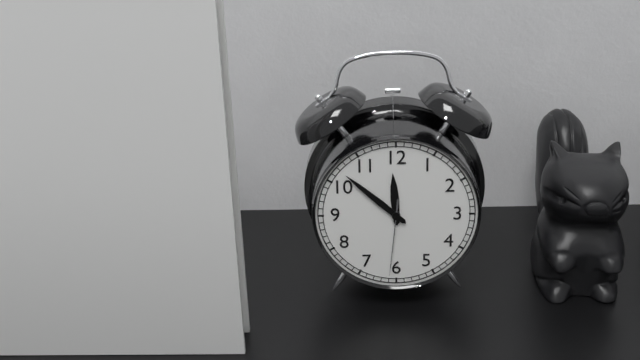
**11:52:31**
